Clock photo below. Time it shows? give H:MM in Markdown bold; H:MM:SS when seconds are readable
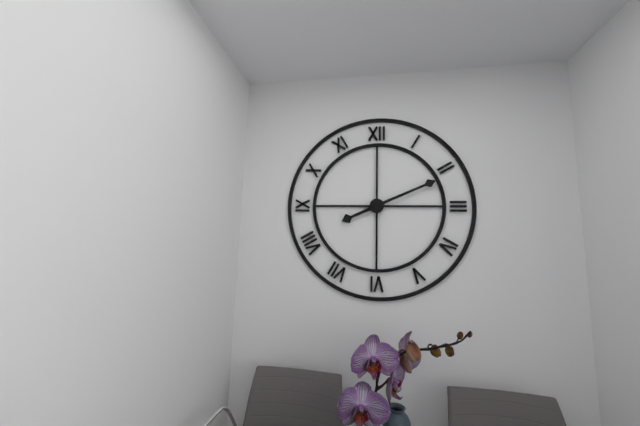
**8:11**
